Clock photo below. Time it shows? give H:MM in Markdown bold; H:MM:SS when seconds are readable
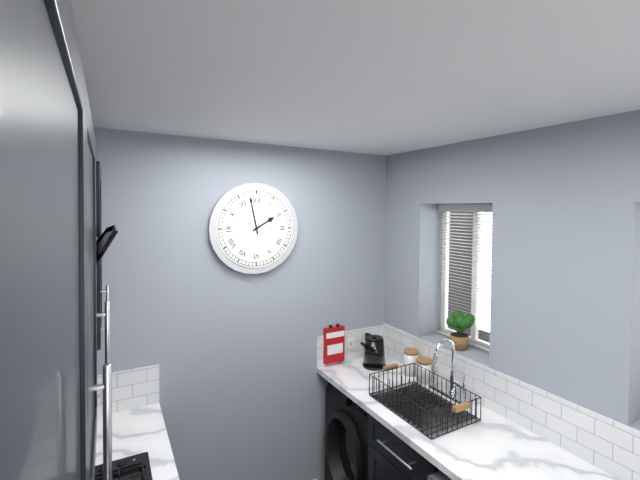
**1:58**
